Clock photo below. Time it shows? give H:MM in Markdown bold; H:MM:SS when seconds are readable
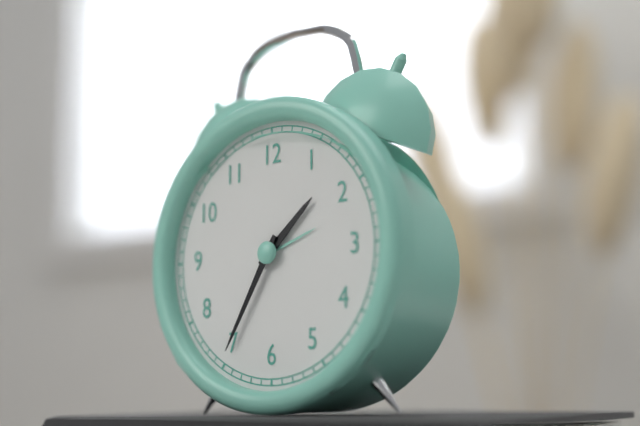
**1:35**
